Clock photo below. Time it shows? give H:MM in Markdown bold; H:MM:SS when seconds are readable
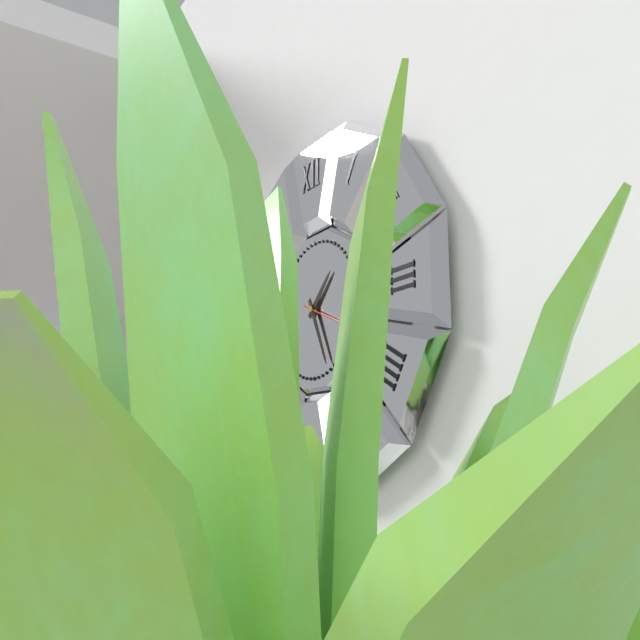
**1:26**
